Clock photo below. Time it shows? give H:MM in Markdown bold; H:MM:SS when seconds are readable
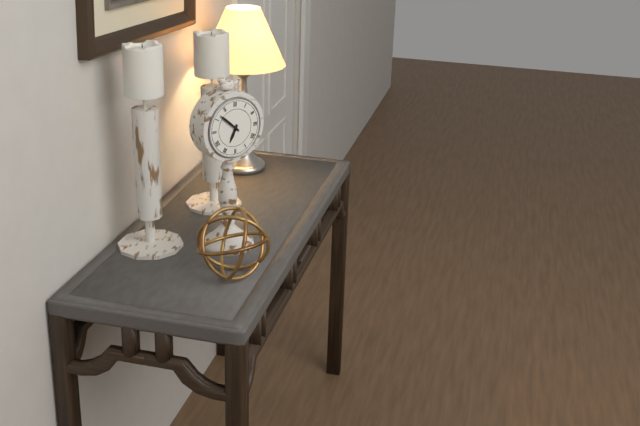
**6:52**
